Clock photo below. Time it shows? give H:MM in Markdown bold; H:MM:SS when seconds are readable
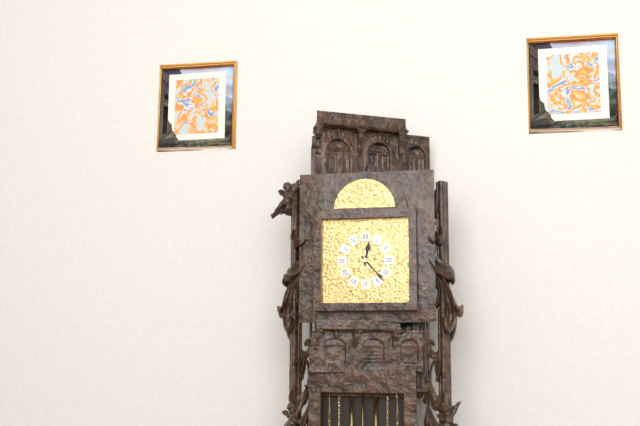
**12:23**
